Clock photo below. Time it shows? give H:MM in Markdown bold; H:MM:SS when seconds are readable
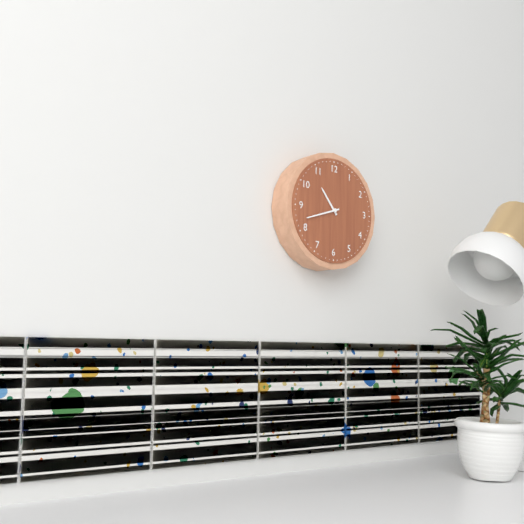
**10:42**
